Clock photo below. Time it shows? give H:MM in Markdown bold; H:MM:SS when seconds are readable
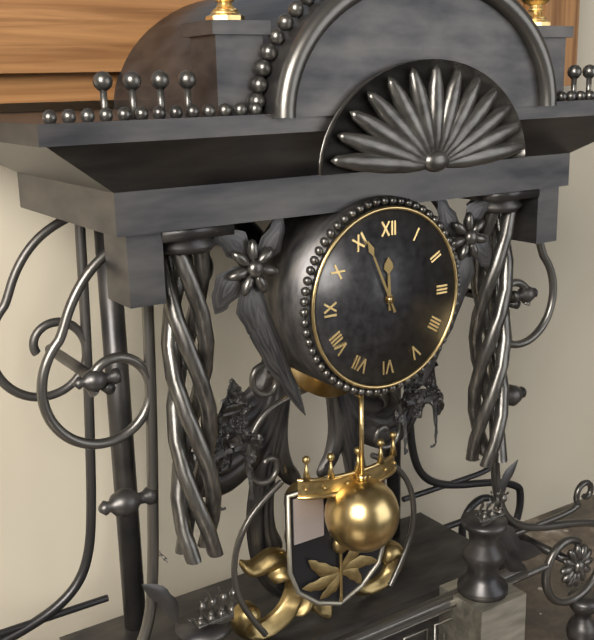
**11:56**
